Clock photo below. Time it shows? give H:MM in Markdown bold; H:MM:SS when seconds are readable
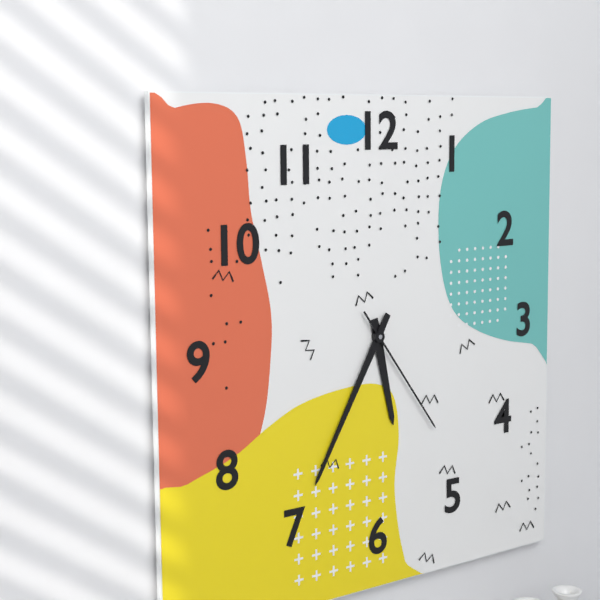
**5:35:24**
